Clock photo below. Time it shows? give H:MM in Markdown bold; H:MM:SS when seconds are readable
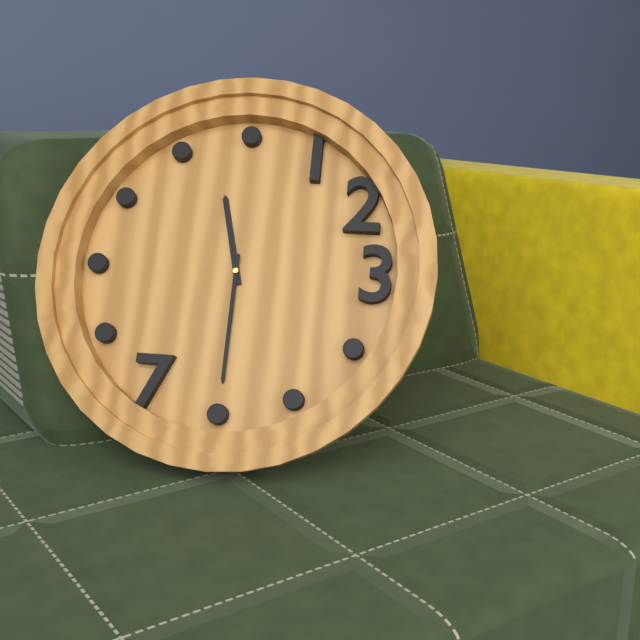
**11:30**
